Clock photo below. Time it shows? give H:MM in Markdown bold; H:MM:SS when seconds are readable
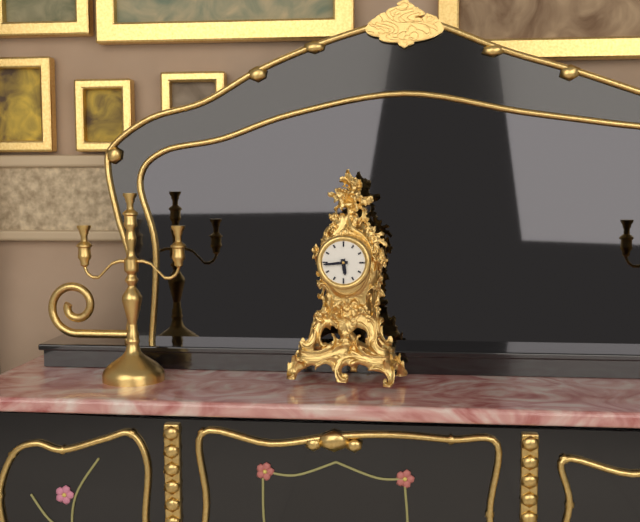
**5:44**
